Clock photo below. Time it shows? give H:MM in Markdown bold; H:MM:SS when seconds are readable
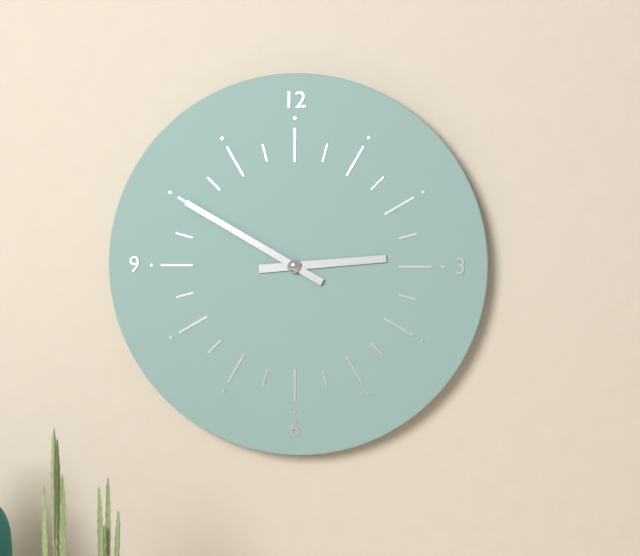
**2:50**
